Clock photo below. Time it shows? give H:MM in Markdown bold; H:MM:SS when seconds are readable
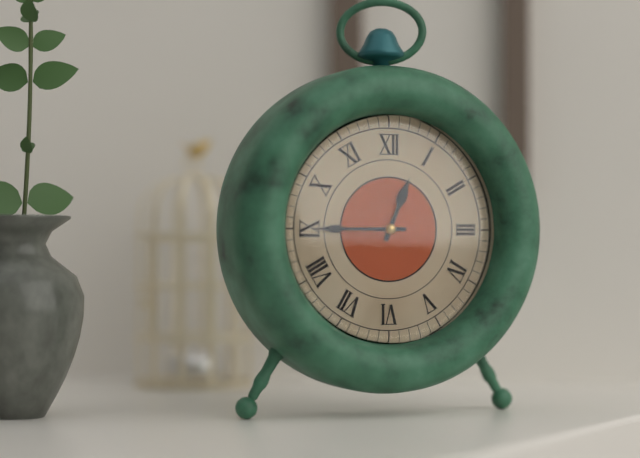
**12:45**
